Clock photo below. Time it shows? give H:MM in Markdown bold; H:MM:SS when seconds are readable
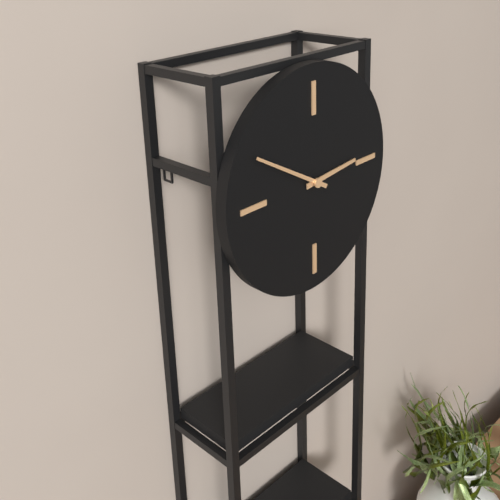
**2:50**
